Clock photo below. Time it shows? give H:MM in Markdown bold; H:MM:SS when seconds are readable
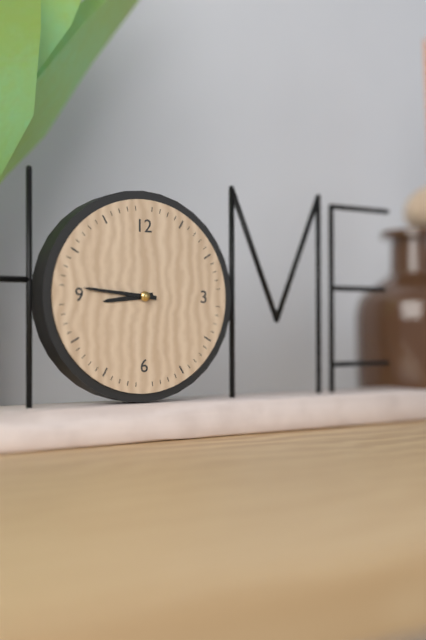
**8:46**
